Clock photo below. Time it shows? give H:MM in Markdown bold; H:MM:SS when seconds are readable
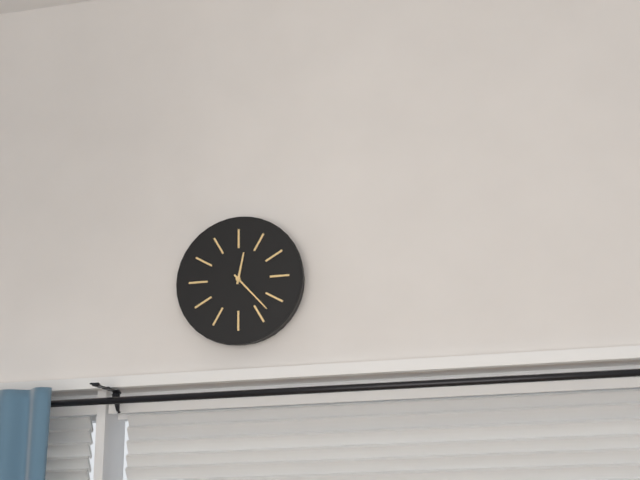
**12:23**
